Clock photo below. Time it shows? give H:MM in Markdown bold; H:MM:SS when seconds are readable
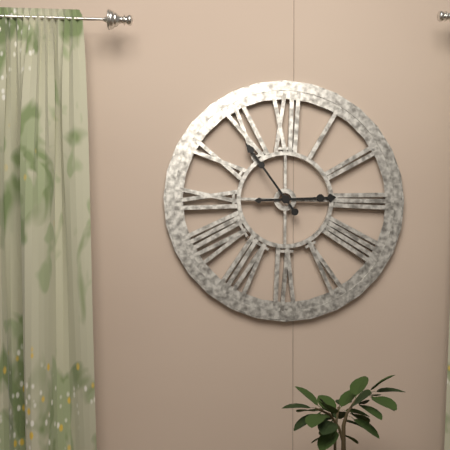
**2:54**
